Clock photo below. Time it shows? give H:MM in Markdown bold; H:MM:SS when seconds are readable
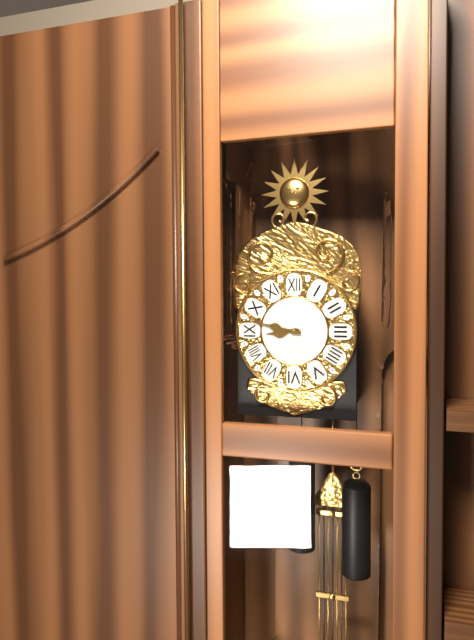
**8:47**
